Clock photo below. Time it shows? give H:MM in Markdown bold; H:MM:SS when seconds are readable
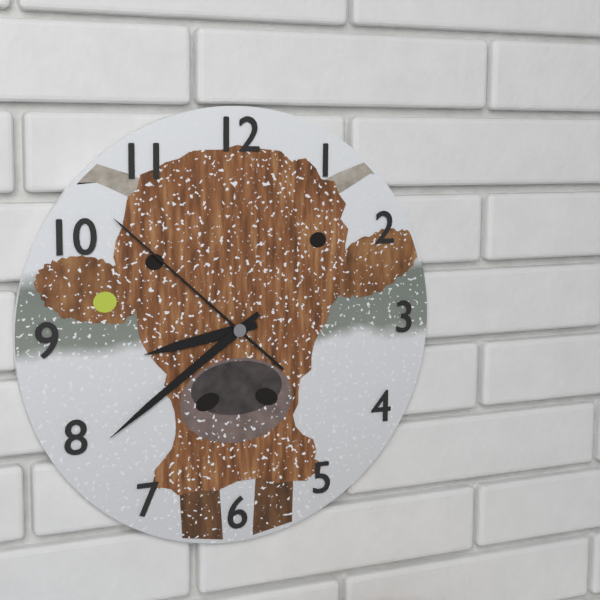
**8:39:52**
